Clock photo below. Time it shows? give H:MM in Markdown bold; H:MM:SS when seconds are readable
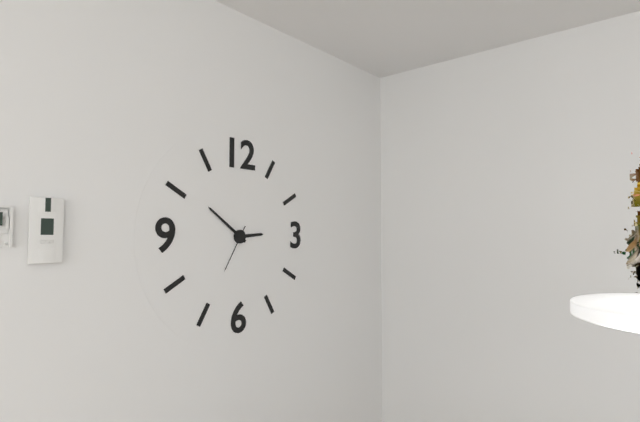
**2:51**
